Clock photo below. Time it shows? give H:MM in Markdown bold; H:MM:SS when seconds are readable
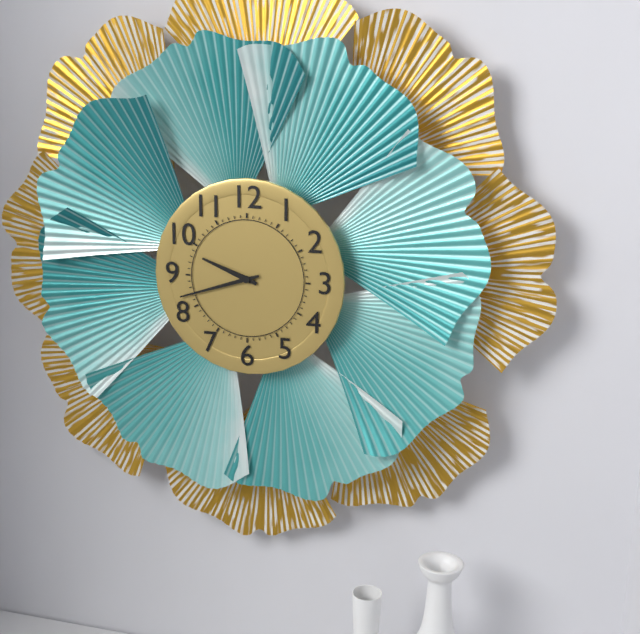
**9:42**
